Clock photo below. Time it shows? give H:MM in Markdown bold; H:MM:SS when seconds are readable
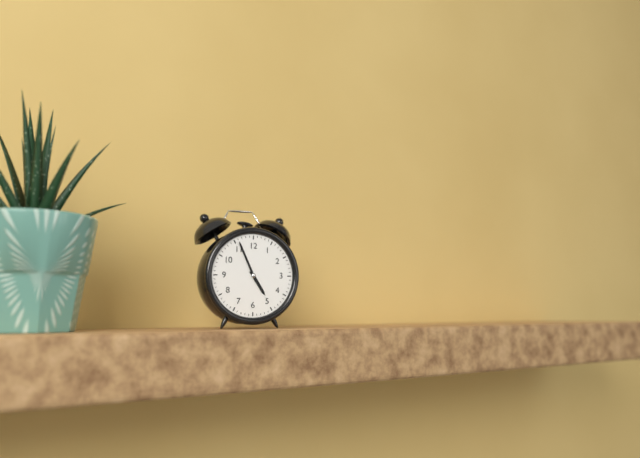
**4:56**
